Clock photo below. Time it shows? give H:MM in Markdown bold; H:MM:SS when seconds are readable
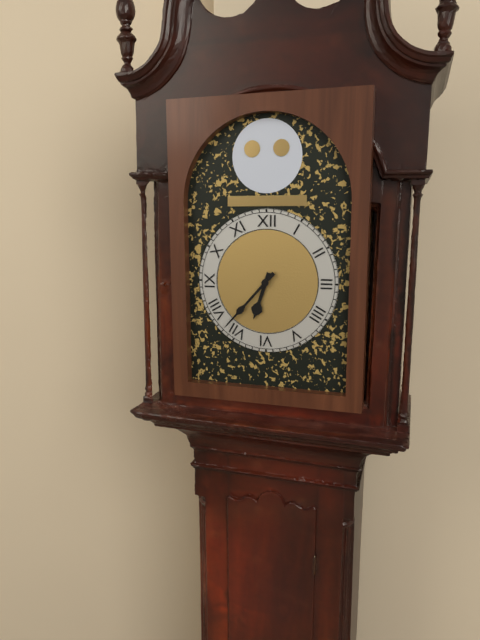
**6:37**
